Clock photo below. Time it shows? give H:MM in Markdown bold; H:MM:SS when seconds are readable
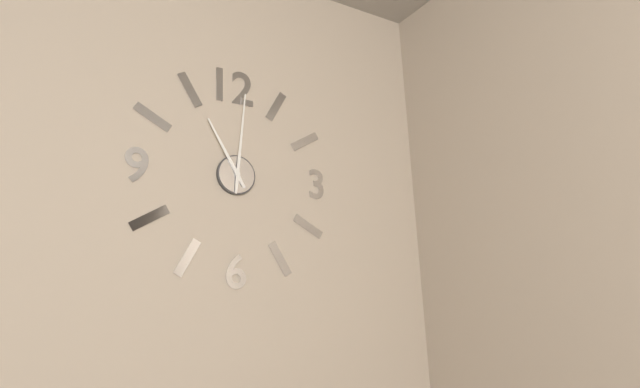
**11:01**
